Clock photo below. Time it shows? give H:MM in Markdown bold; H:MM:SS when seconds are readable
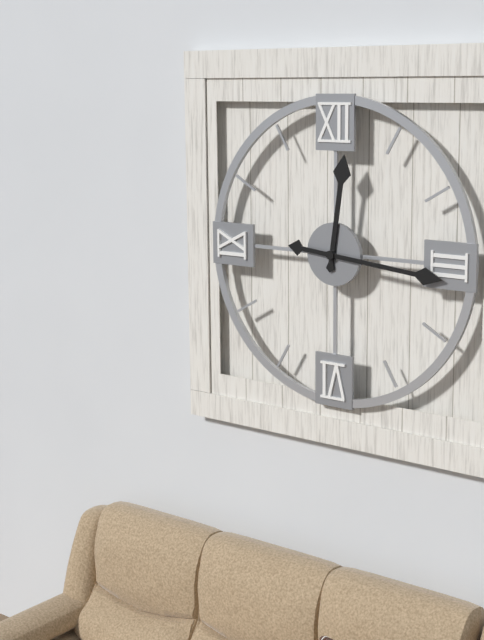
**12:16**
